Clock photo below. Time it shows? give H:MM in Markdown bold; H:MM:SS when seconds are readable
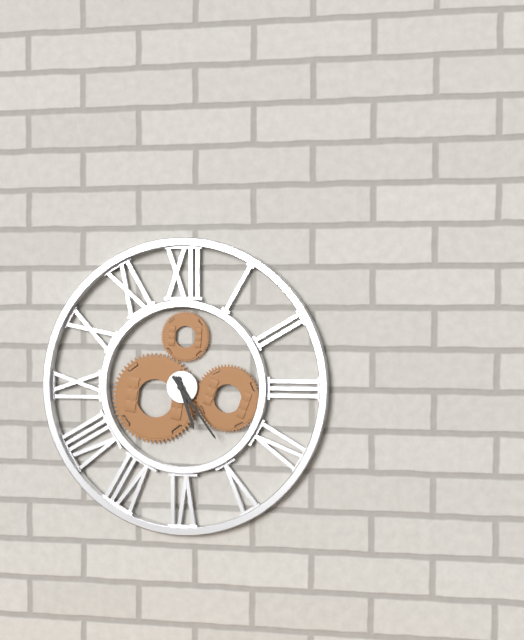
**5:24**
